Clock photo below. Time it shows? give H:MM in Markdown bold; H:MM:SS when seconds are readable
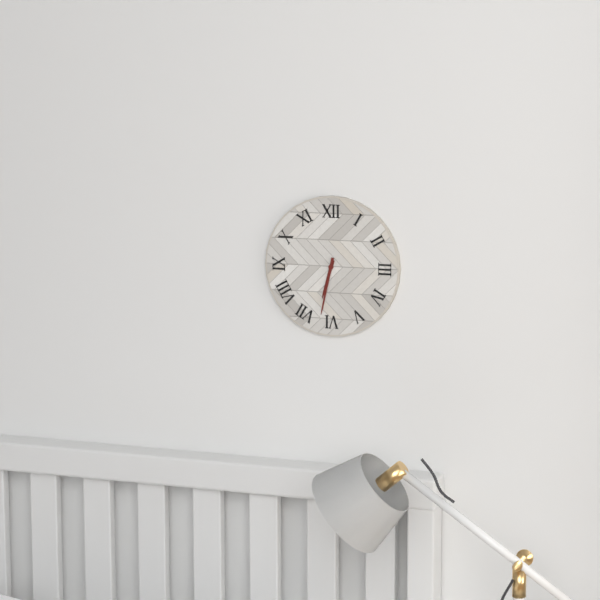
**6:32**
